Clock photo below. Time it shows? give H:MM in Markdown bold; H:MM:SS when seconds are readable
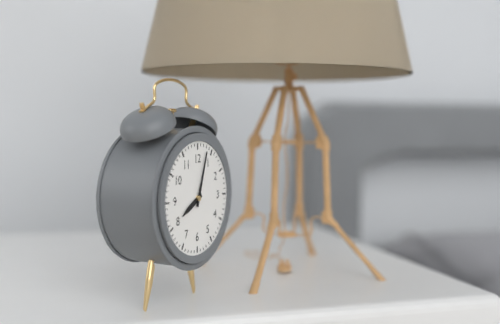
**8:03**
